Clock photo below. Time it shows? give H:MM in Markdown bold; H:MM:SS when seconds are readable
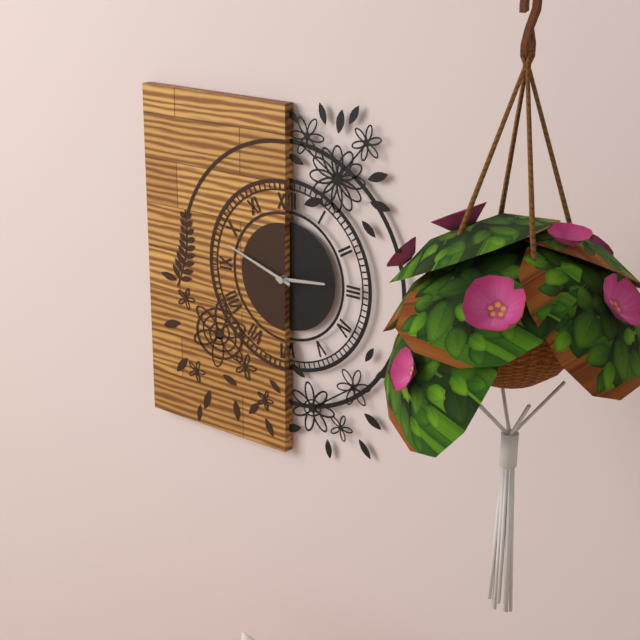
**2:48**
